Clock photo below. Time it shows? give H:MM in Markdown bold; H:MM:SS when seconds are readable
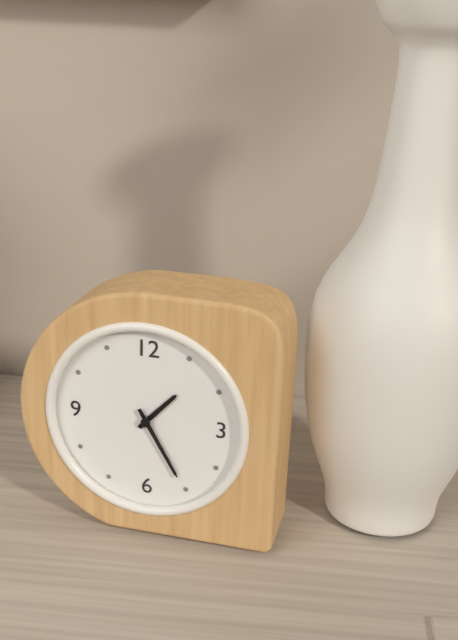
**1:25**
